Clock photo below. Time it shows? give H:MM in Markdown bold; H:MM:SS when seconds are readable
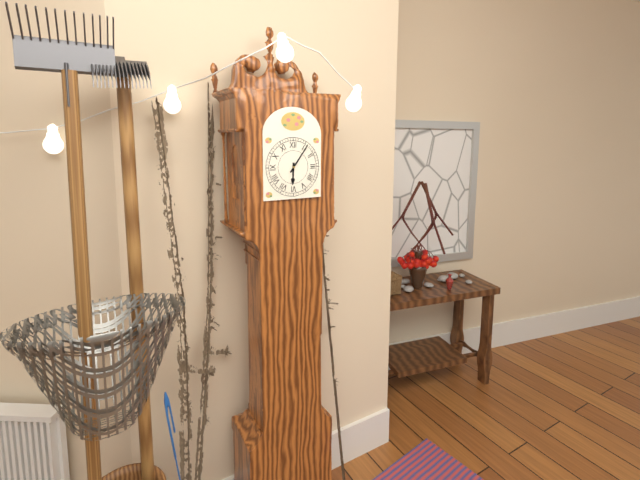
**6:06**
